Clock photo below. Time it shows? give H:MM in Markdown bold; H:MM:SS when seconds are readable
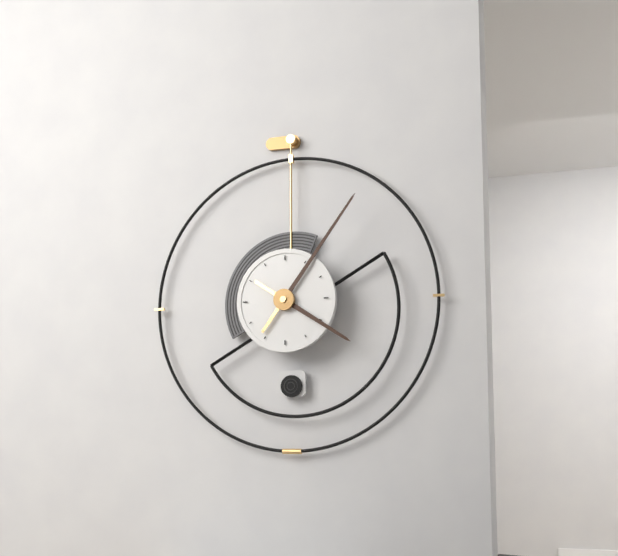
**4:06**
